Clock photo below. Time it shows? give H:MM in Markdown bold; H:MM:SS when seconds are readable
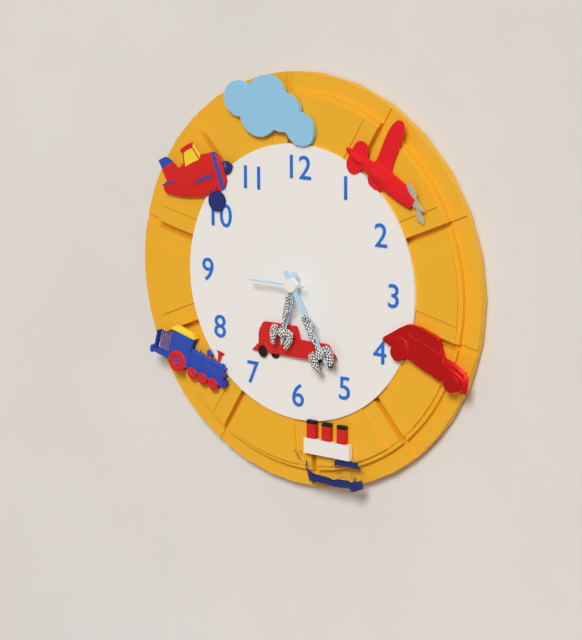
**6:25:45**
